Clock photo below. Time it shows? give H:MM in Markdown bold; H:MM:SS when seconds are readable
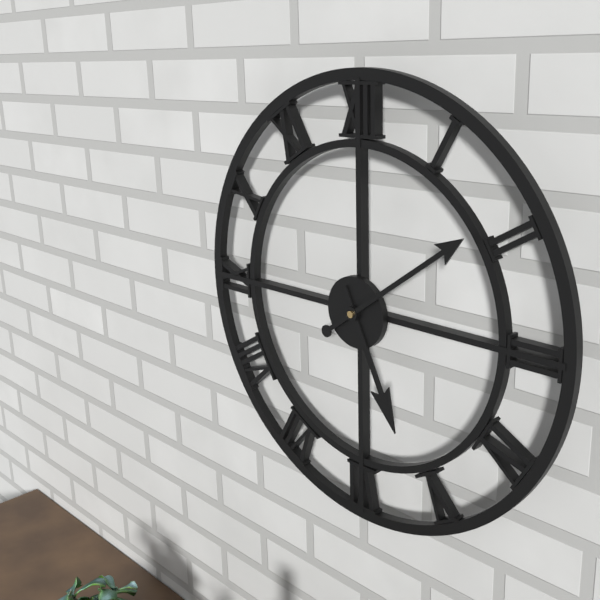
**5:09**
